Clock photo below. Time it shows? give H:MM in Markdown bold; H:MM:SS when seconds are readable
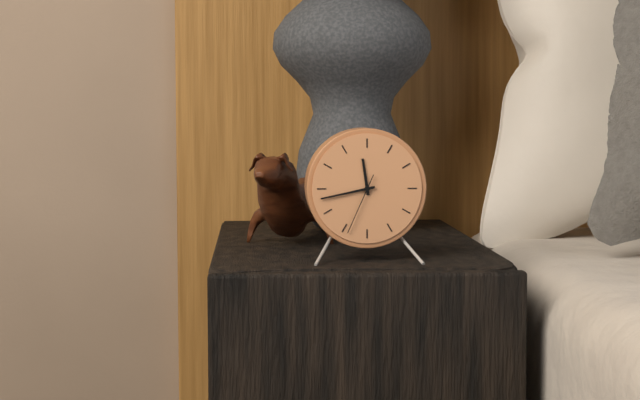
**11:43:34**
